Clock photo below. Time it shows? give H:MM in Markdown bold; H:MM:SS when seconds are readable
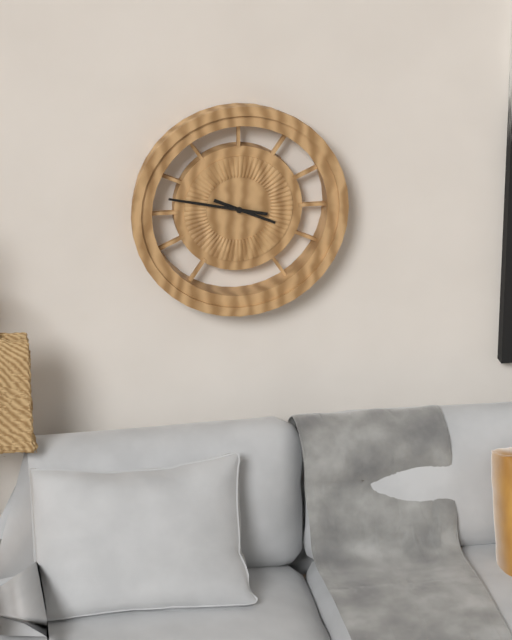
**3:47**
